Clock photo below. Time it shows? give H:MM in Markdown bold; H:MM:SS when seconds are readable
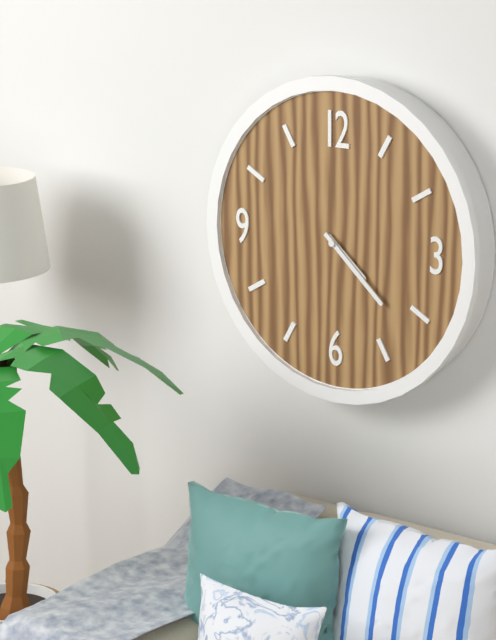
**4:22**
